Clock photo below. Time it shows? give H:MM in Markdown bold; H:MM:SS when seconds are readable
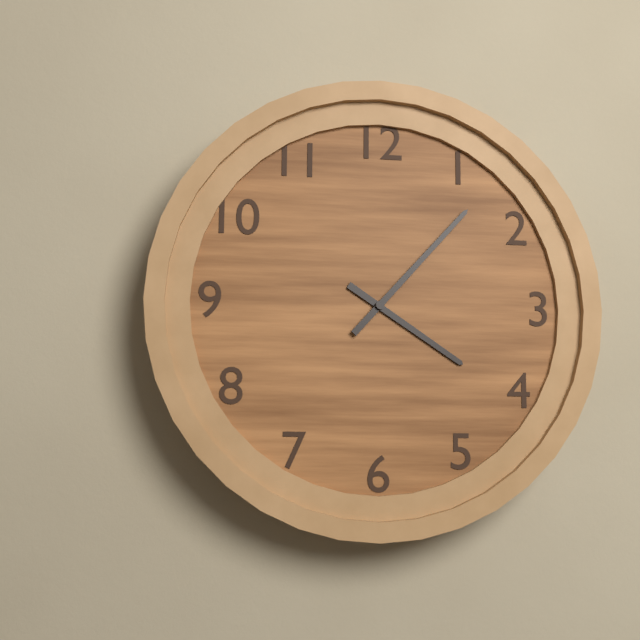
**4:07**
